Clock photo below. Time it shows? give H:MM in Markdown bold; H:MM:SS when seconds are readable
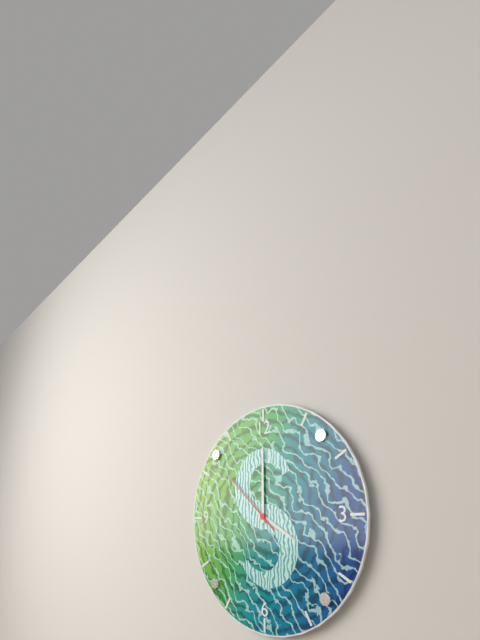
**4:00:52**
